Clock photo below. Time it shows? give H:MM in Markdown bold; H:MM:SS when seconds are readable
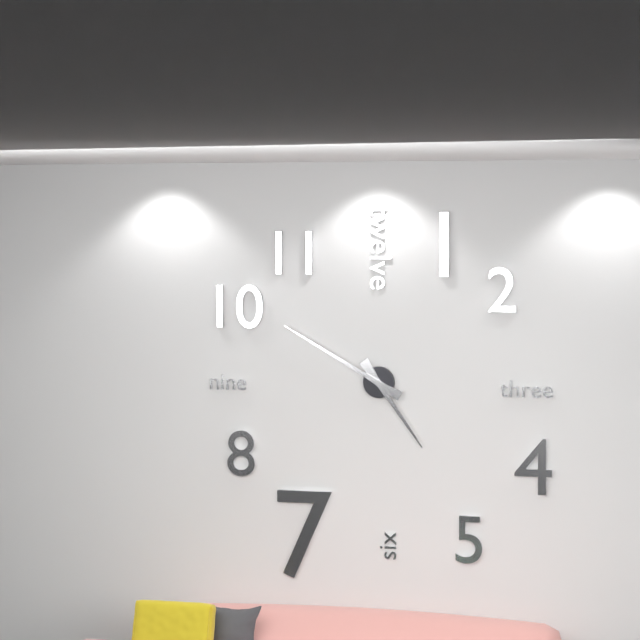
**4:50**
